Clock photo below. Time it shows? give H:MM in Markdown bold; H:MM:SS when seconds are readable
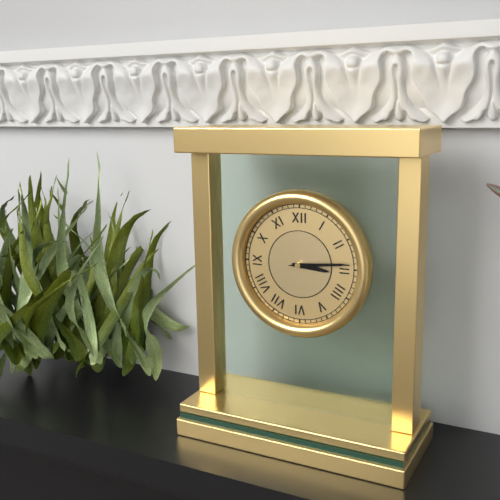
**3:14**
